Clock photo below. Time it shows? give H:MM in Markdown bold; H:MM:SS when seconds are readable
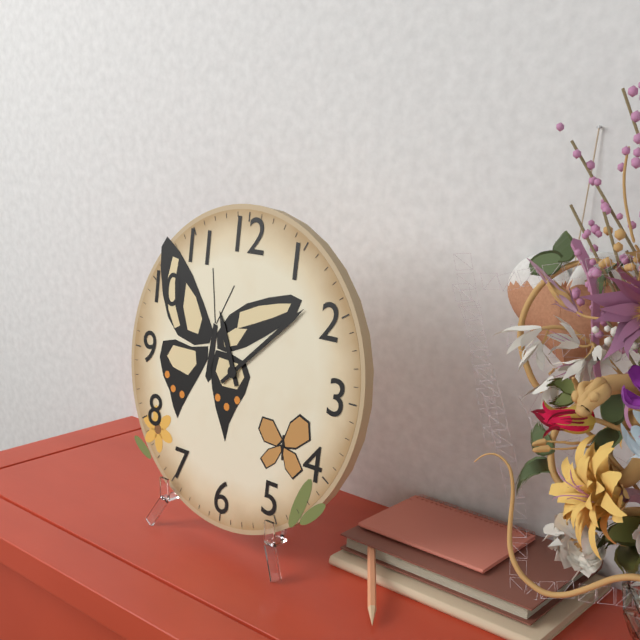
**11:08**
